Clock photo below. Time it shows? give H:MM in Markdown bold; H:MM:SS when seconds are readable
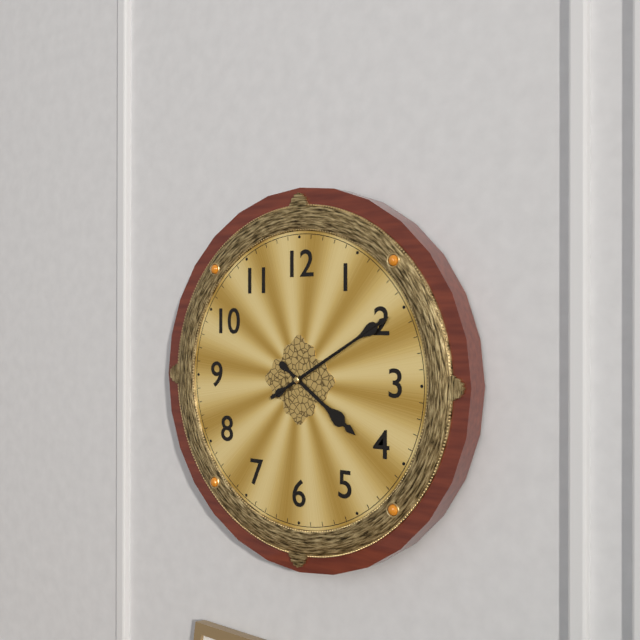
**4:10:10**
